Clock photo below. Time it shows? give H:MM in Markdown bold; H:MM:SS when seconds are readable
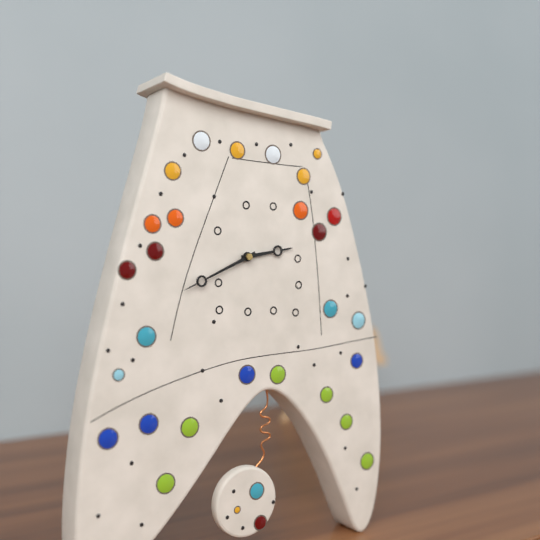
**2:41**
